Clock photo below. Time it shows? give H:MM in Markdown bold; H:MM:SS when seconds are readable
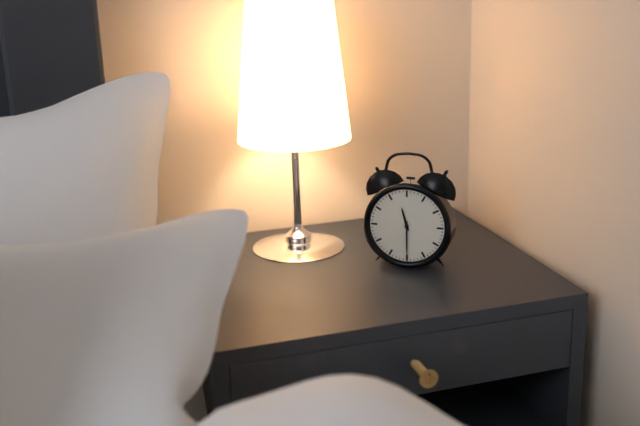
**11:30**
